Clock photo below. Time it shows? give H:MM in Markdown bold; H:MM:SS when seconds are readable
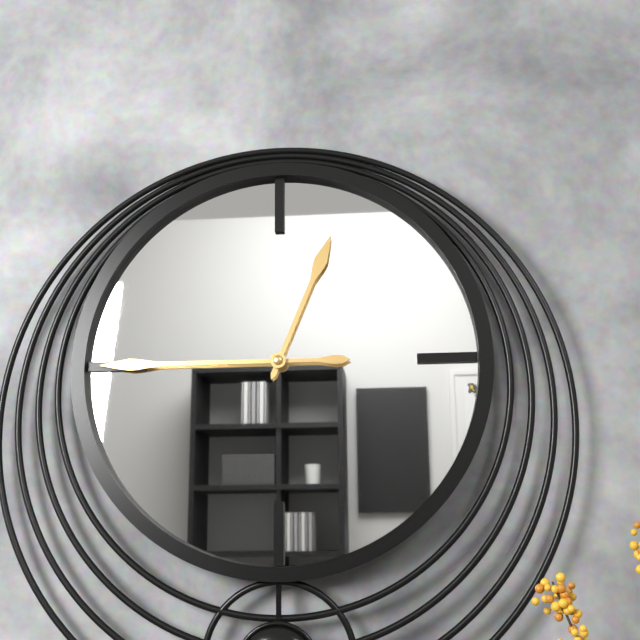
**12:45**
